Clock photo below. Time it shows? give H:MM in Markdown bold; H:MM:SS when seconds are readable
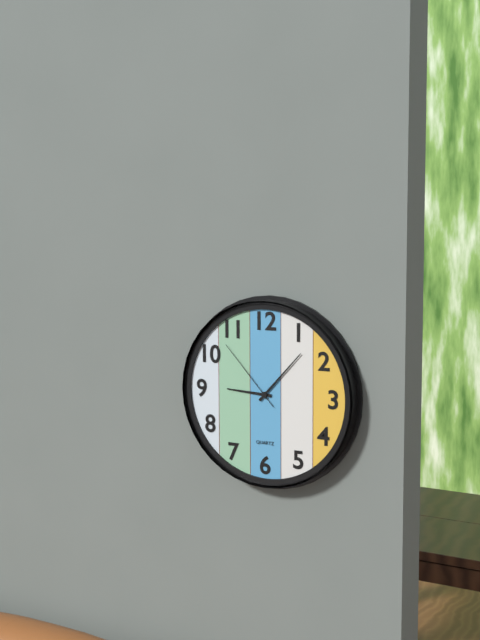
**9:07:53**
